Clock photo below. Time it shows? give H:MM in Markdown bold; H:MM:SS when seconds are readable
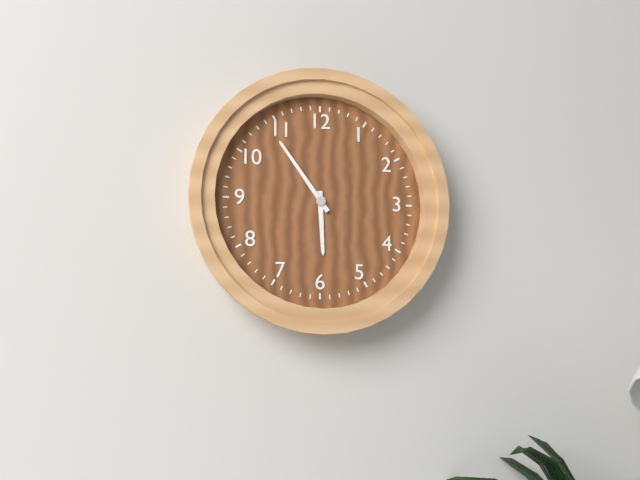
**5:54**
